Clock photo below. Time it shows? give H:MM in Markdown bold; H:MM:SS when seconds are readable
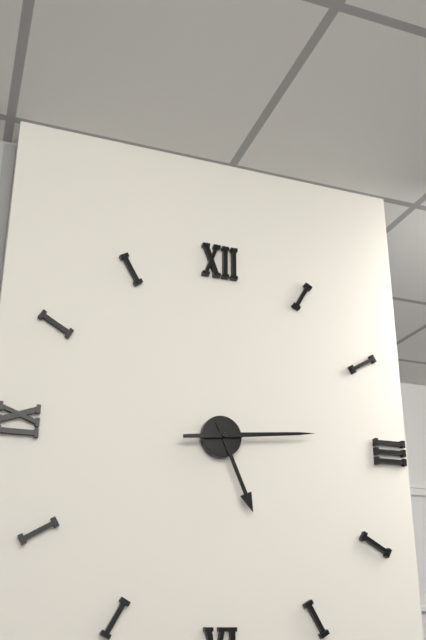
**5:14**
